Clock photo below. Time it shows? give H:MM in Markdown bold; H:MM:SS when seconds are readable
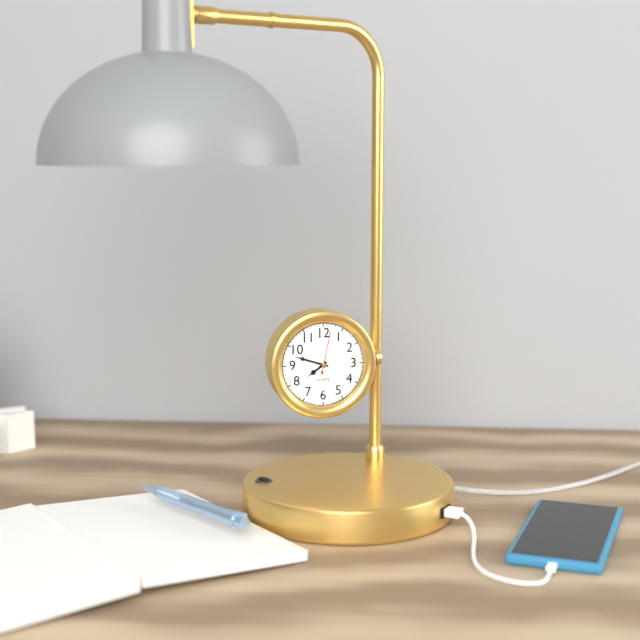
**7:48**
